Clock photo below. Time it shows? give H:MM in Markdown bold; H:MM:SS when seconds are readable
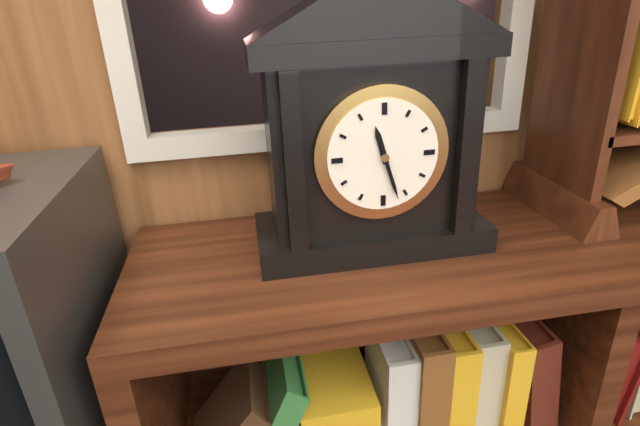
**11:27**
